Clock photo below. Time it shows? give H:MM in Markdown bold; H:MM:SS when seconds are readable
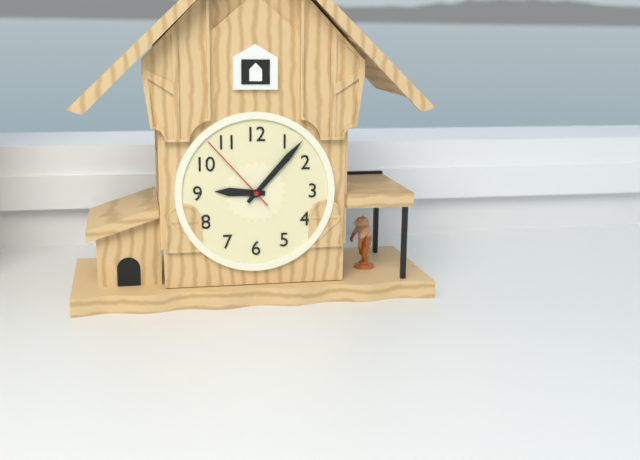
**9:07:53**
